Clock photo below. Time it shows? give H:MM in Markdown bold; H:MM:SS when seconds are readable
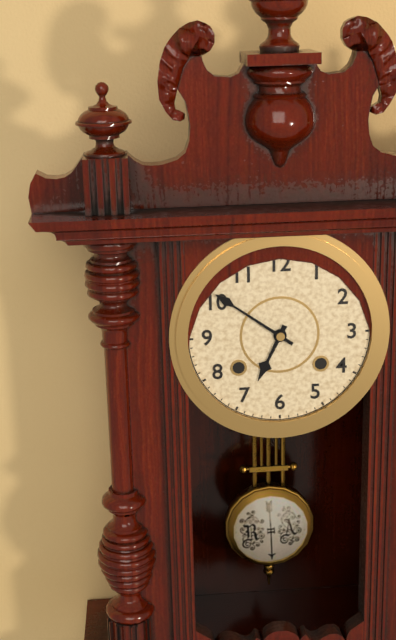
**6:51**
